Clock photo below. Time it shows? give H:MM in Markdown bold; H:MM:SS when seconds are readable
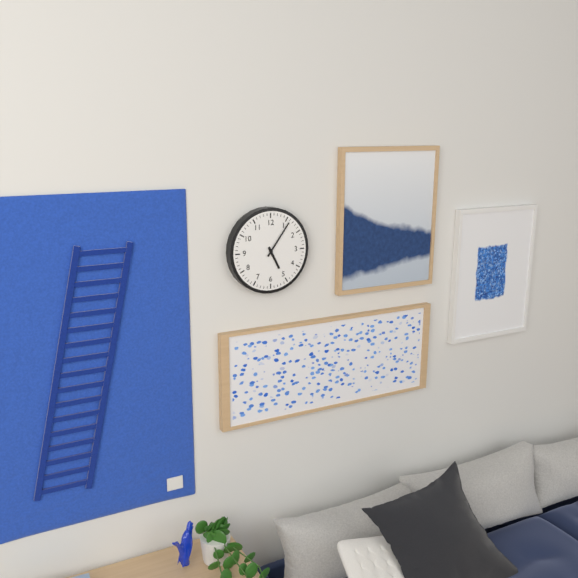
**5:06**
